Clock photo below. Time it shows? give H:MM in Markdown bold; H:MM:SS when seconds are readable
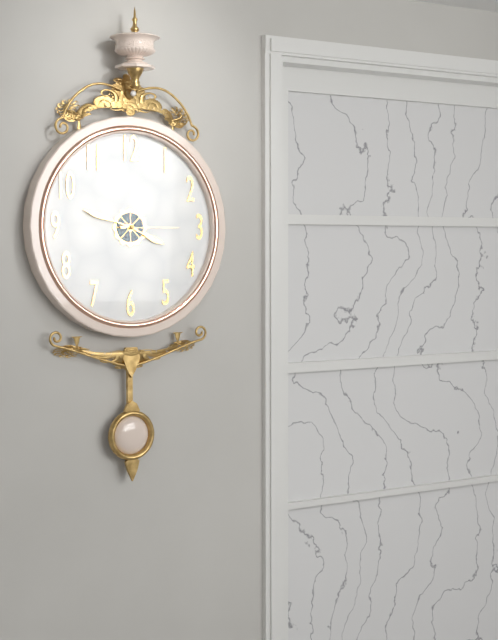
**3:48:15**
